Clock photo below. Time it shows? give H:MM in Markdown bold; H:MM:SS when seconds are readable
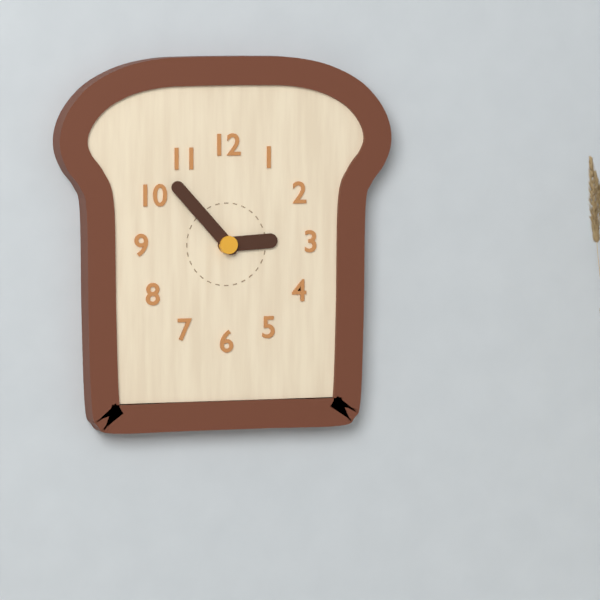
**2:53**
